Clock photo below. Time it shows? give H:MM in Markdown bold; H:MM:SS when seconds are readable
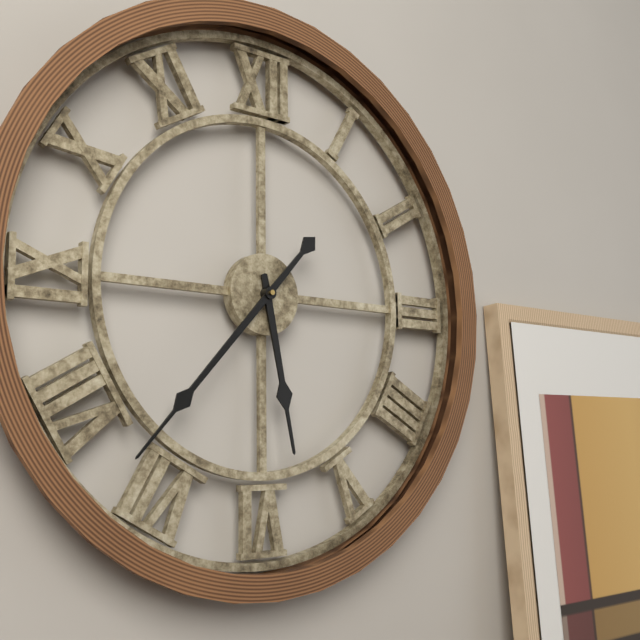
**5:37**
